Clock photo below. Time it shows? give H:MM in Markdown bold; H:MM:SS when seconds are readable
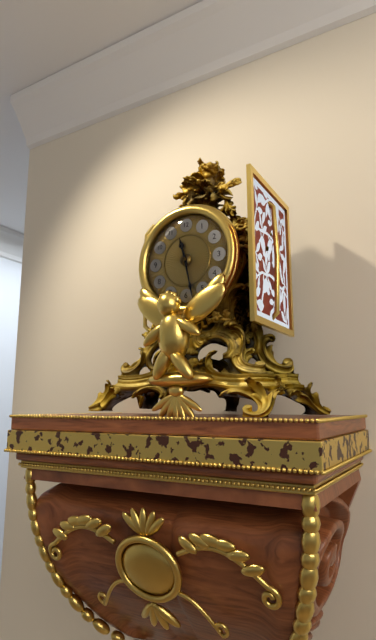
**11:28**
